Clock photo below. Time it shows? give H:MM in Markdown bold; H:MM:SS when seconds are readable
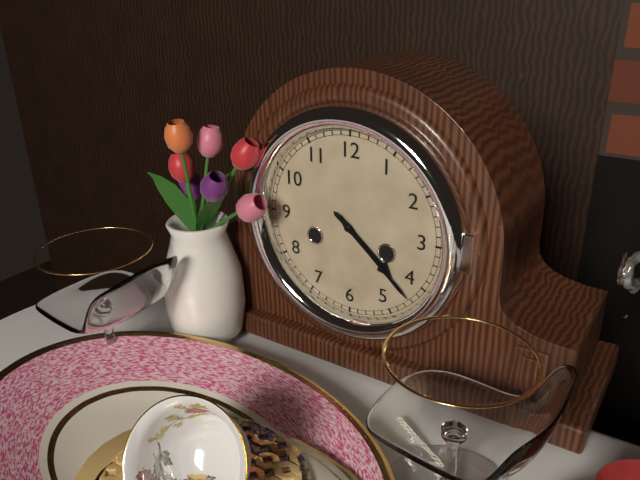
**4:22**
